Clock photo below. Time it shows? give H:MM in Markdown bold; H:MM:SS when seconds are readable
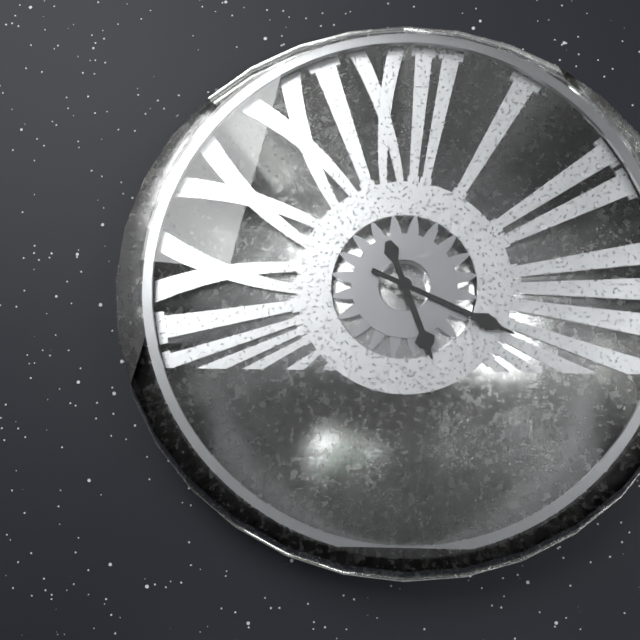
**5:19**
